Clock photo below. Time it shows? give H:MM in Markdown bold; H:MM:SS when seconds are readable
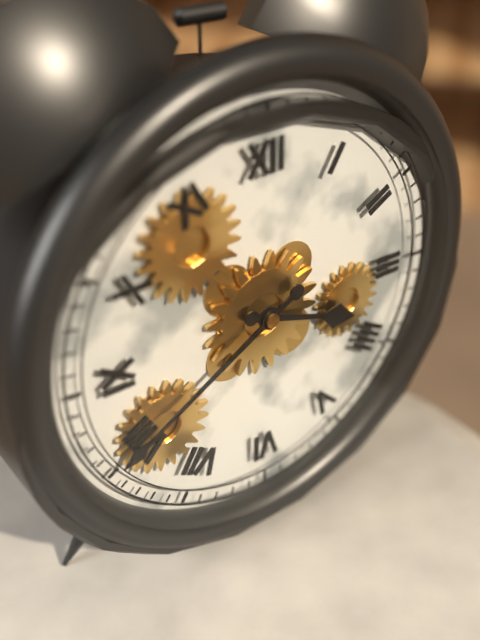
**3:40**
